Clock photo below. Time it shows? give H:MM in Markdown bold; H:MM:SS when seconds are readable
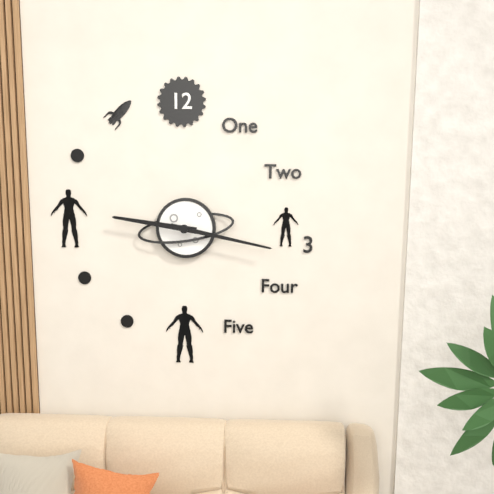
**9:17**
